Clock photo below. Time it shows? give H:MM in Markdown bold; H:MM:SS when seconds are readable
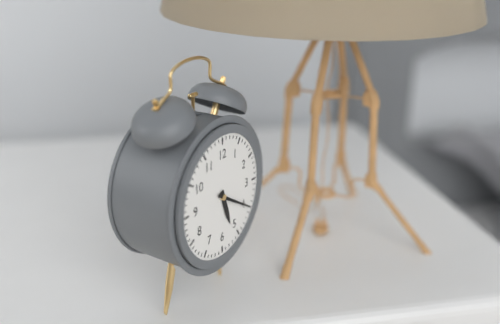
**5:20**
